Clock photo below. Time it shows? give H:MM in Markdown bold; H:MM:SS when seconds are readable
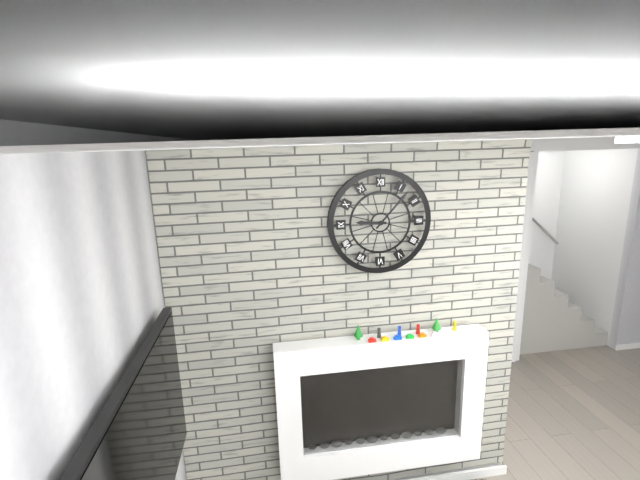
**9:07**
